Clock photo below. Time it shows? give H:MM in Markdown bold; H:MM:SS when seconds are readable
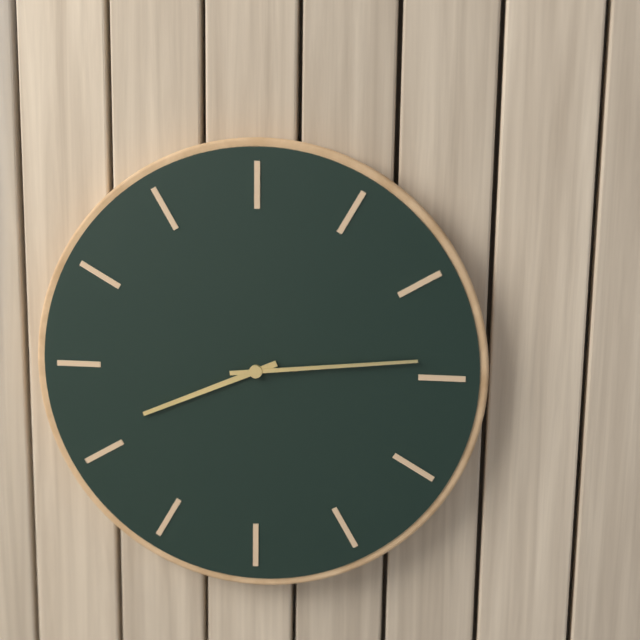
**8:14**
